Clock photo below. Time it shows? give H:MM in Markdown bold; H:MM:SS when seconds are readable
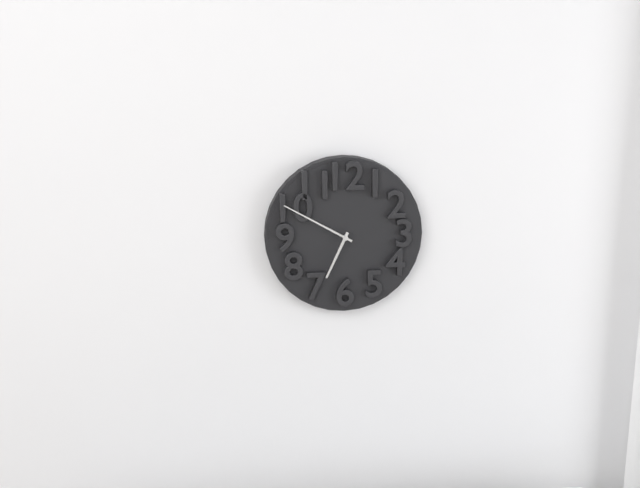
**6:50**
